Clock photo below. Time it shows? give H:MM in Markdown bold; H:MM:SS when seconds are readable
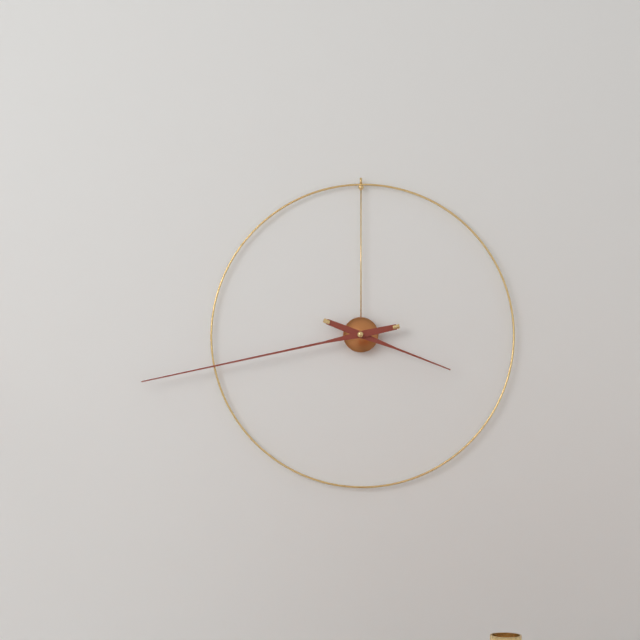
**3:43**
